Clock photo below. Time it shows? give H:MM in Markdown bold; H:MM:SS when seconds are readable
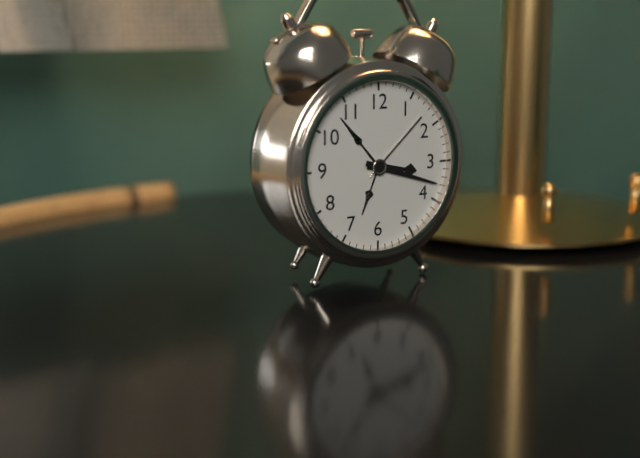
**3:18**
